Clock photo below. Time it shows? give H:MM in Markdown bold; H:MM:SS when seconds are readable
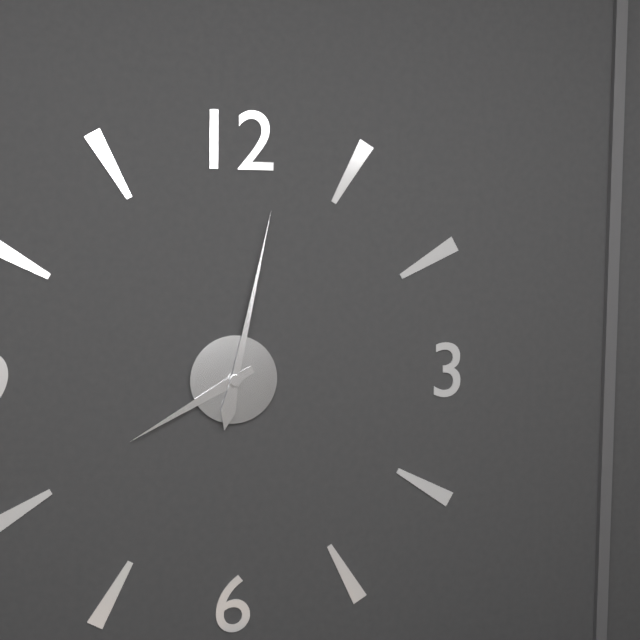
**8:02**
